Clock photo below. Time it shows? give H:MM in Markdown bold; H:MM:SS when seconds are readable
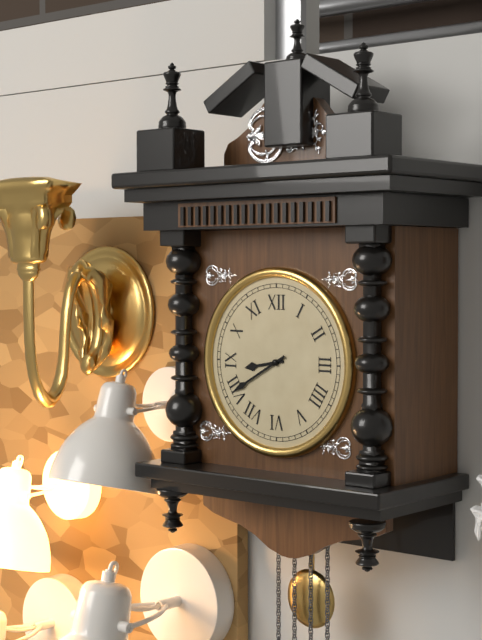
**8:40**
